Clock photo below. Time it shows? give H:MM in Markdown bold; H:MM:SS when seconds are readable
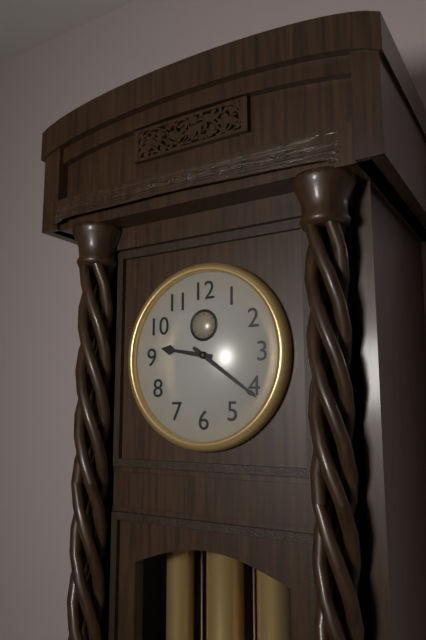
**9:21**
